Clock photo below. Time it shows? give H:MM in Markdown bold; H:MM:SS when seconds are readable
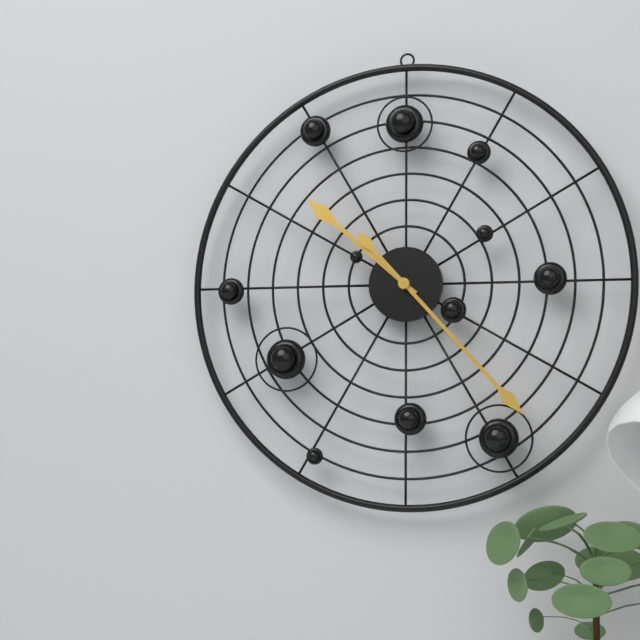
**10:23**
